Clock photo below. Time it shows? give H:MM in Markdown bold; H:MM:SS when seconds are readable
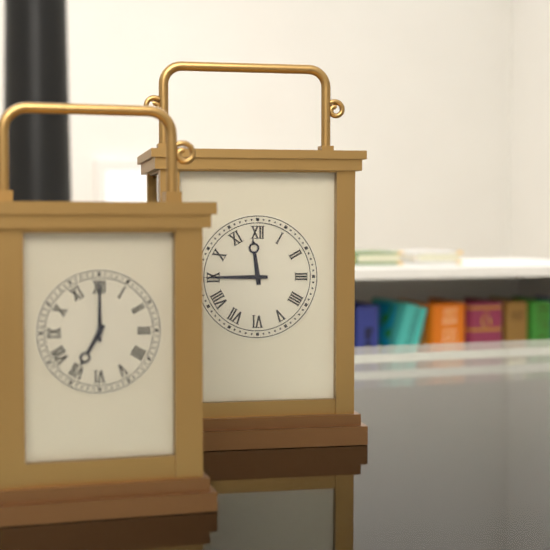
**11:45**
